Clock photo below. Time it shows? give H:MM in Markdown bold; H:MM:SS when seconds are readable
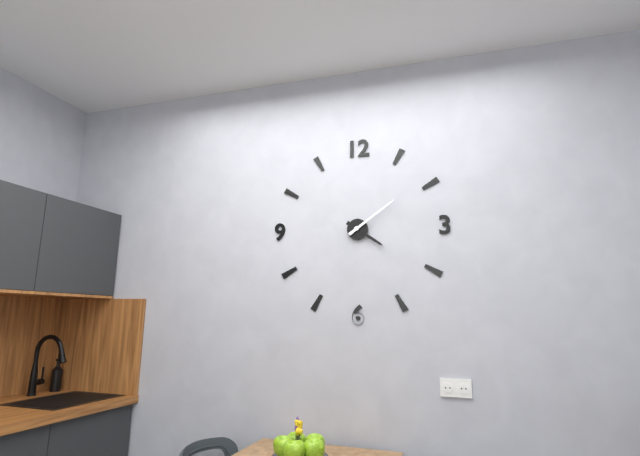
**4:09**
